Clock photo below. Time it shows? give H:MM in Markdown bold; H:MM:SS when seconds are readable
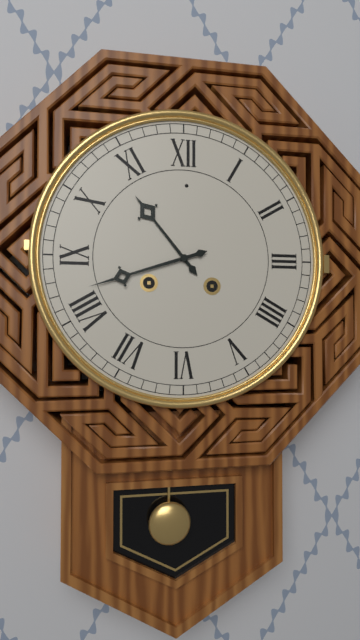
**10:42**
